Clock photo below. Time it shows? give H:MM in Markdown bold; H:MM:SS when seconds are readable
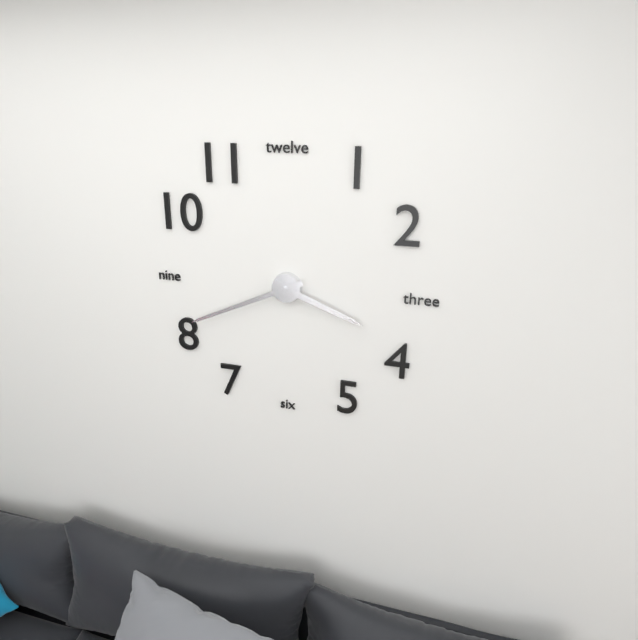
**3:41**
